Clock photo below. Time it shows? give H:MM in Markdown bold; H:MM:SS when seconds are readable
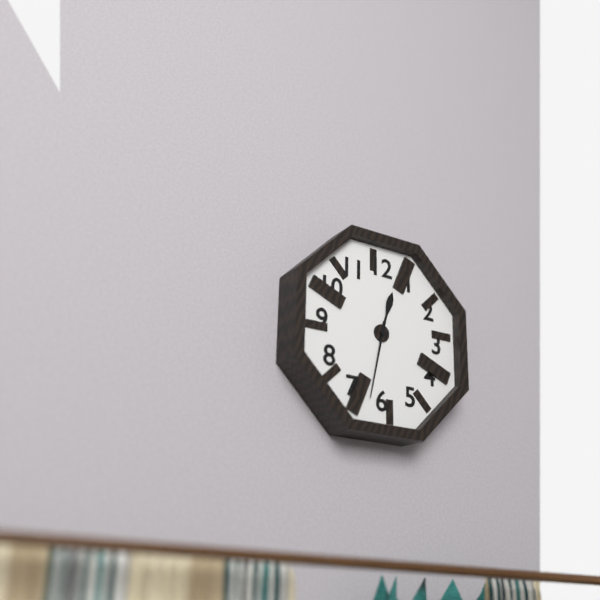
**12:32**
